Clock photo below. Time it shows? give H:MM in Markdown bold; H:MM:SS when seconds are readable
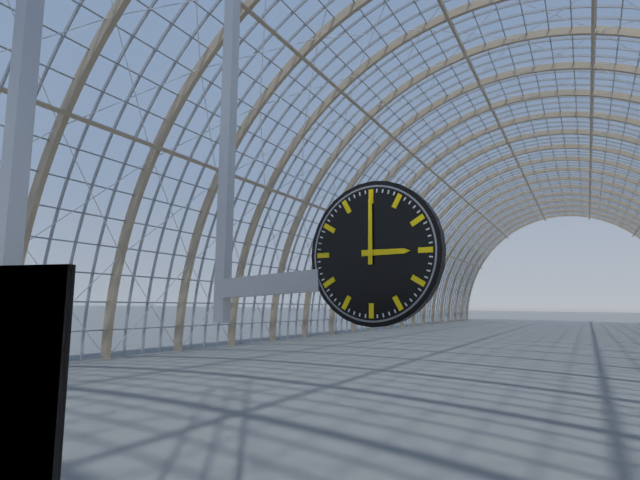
**3:00**
